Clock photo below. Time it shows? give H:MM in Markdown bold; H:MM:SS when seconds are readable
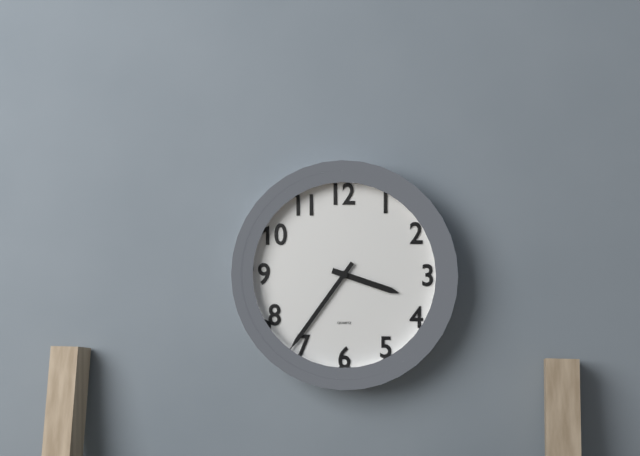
**3:36**
